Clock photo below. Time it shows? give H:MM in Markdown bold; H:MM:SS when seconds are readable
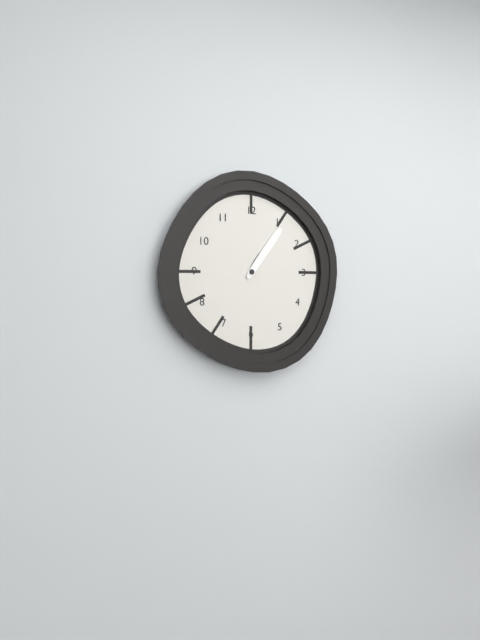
**1:06**
